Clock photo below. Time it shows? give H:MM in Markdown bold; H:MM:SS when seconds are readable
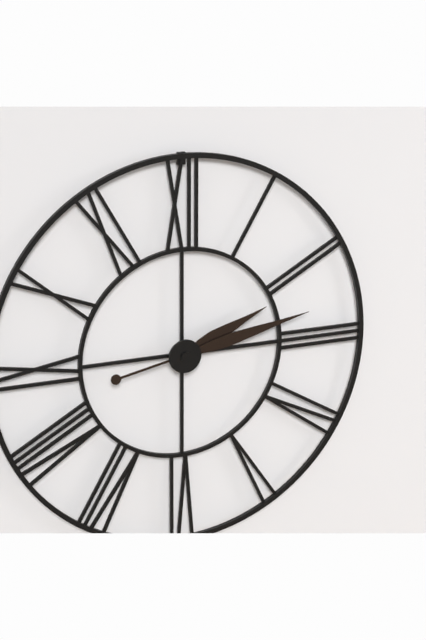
**2:13**
